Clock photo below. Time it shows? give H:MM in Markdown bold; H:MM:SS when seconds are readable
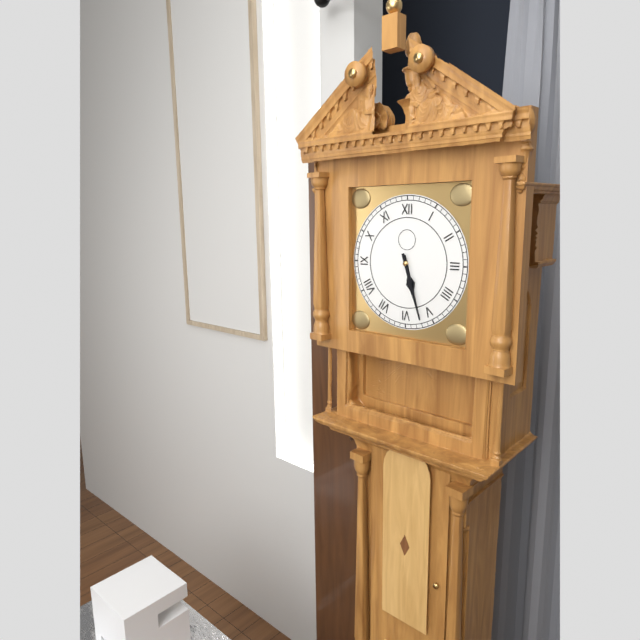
**5:27**
